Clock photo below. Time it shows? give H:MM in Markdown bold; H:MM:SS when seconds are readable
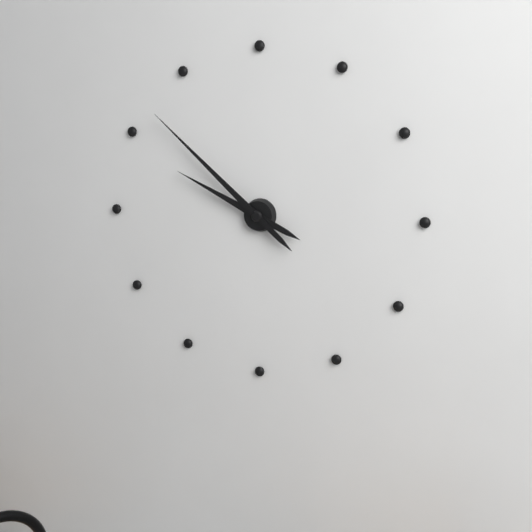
**9:52**
